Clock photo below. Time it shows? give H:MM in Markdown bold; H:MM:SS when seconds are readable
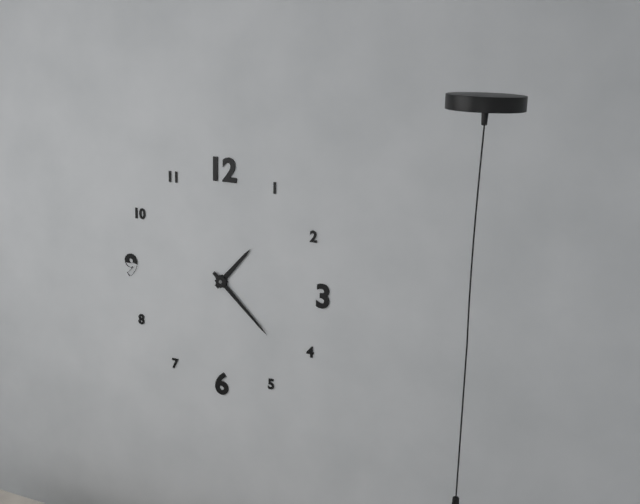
**1:22**
